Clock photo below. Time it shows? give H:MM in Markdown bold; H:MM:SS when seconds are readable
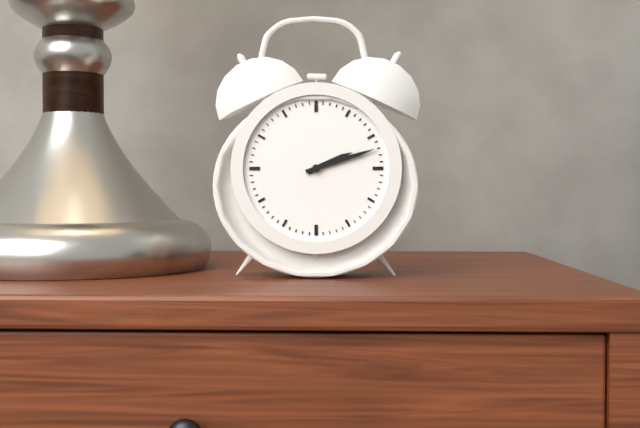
**2:12**
